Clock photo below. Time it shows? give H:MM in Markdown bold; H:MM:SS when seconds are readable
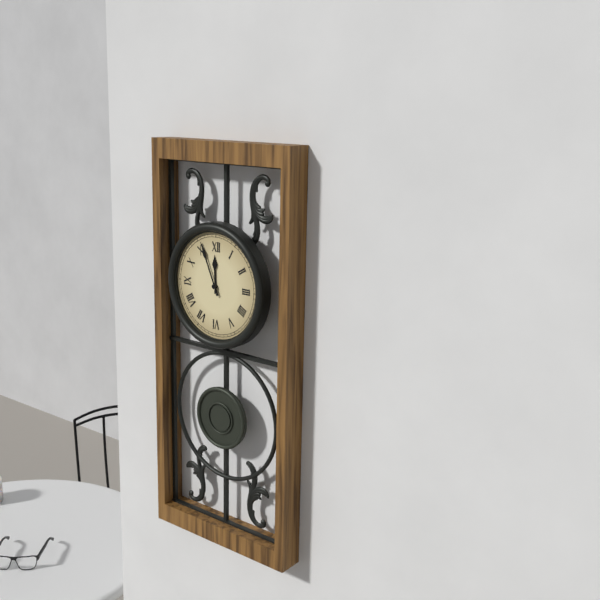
**11:56**
